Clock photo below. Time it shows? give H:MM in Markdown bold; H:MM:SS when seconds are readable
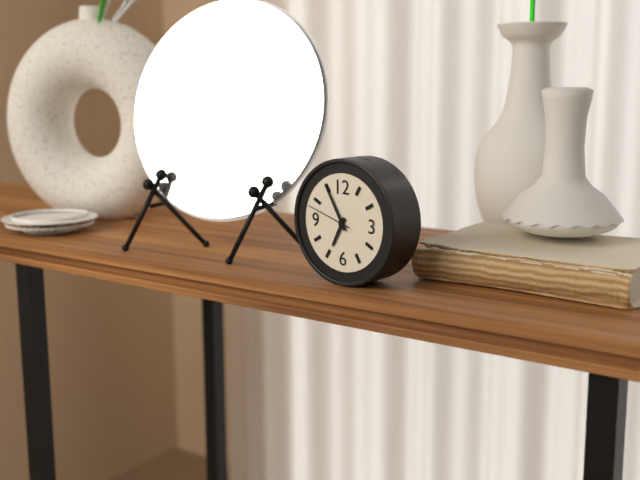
**6:55**
